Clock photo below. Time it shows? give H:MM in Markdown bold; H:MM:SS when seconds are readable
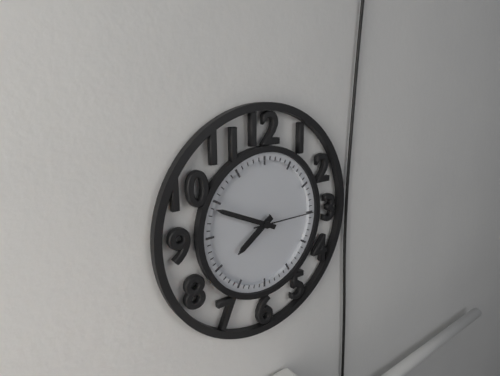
**7:49:15**
